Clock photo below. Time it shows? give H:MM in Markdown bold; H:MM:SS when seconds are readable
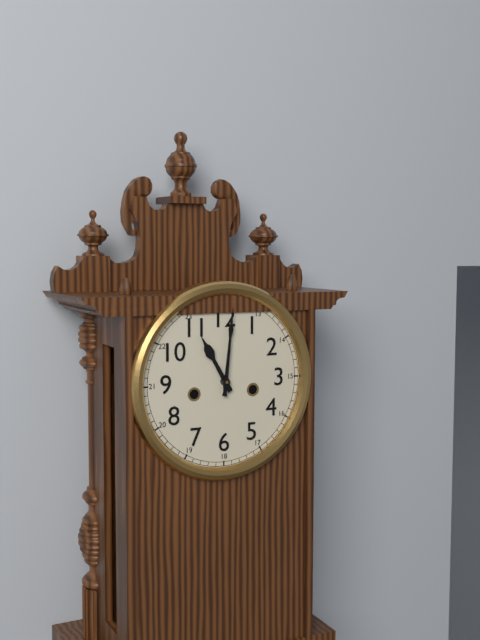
**11:01**
